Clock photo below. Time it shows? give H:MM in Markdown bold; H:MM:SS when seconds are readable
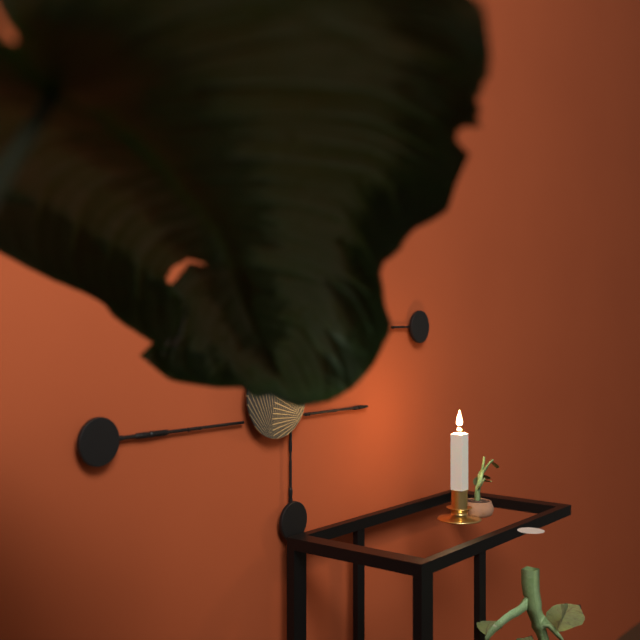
**11:31**
